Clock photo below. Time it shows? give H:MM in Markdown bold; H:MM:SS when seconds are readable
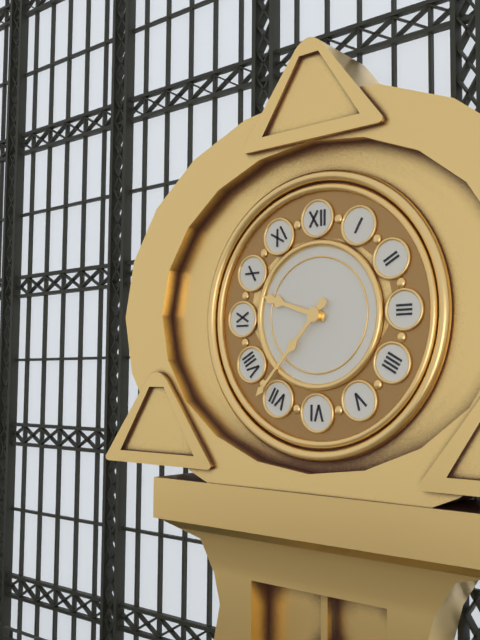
**9:37**
